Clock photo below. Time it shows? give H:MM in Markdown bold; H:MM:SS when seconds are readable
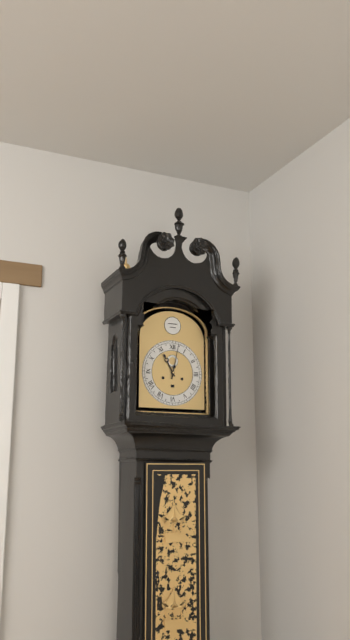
**11:02**
